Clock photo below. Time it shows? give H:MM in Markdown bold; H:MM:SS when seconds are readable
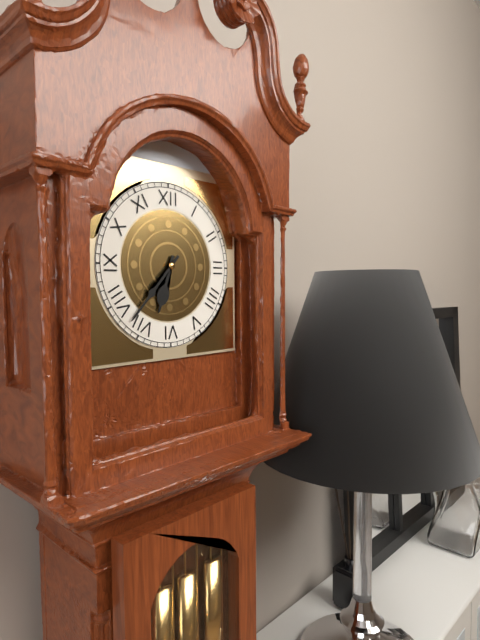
**6:37**
